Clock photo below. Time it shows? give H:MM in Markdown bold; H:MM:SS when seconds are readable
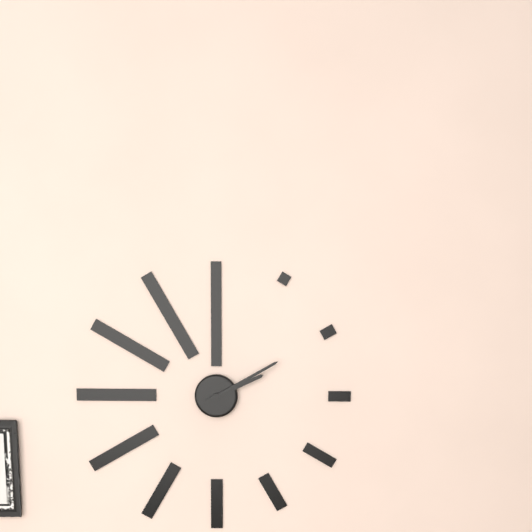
**2:10**
